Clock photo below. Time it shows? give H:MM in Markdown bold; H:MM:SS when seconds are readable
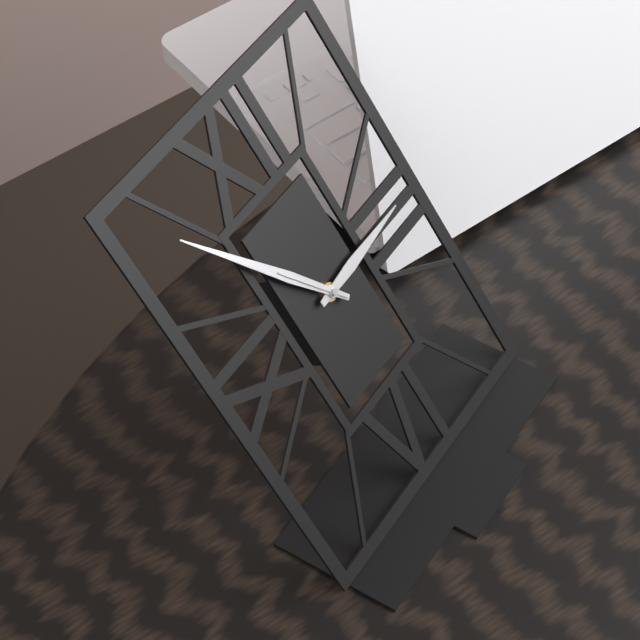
**2:54:54**
